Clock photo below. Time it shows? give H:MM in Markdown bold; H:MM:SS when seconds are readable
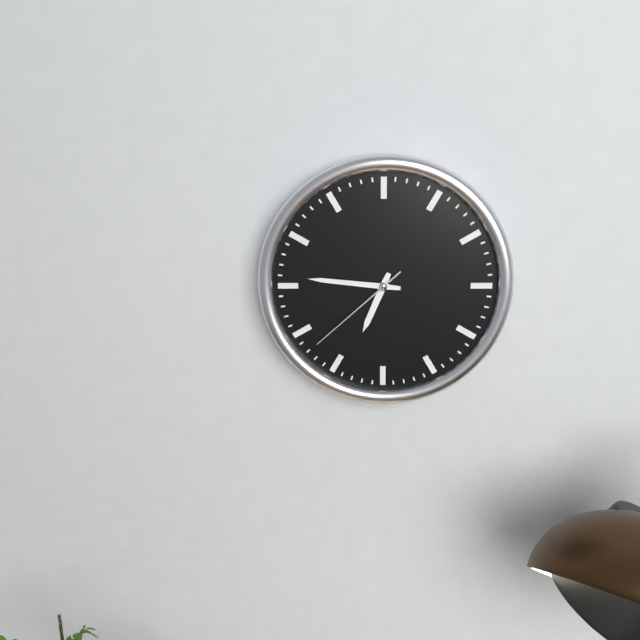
**6:46:38**
